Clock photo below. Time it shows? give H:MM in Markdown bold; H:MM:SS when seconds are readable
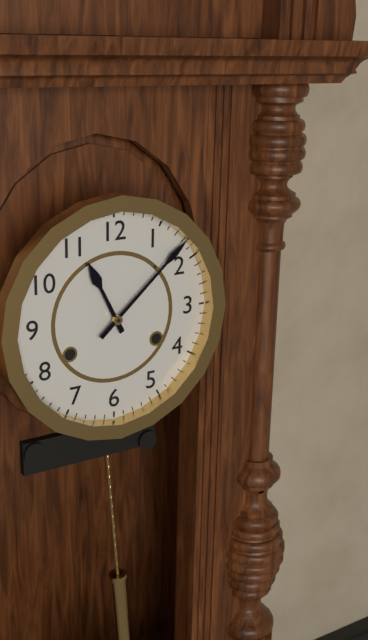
**11:08**
